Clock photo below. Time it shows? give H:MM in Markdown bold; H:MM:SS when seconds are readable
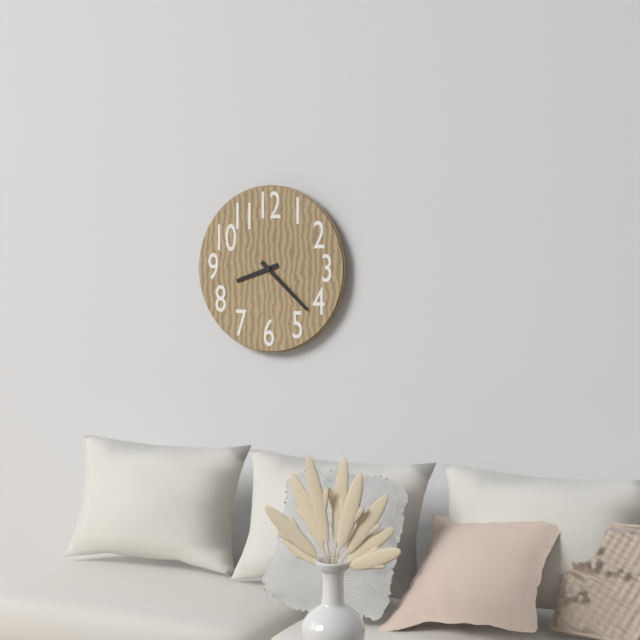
**8:22**
